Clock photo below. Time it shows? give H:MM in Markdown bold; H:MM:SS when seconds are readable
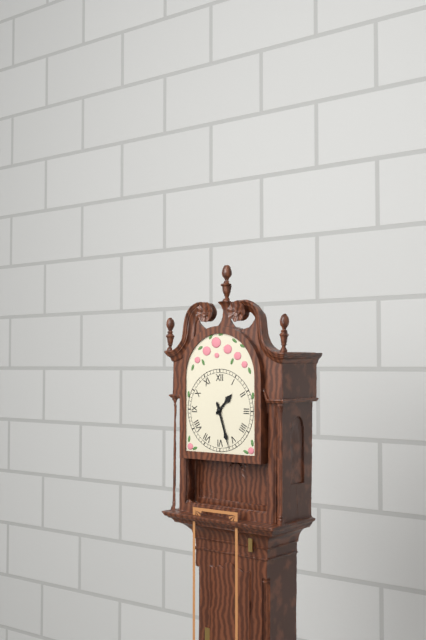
**1:27**
